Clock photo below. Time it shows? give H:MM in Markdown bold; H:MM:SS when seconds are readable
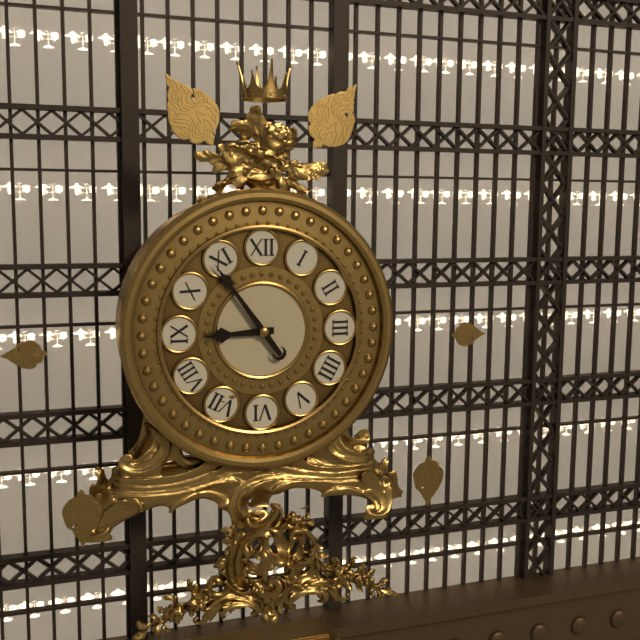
**8:54**
